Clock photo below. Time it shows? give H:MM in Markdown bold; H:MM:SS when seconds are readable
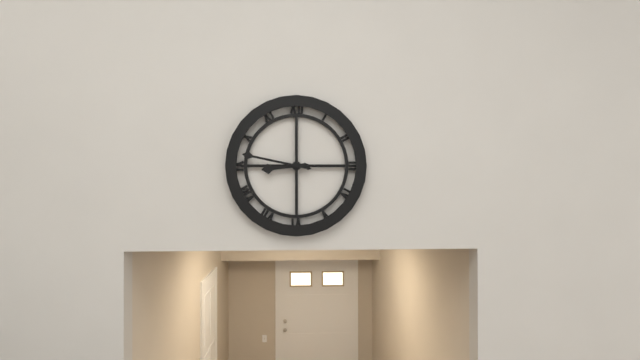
**8:47**
